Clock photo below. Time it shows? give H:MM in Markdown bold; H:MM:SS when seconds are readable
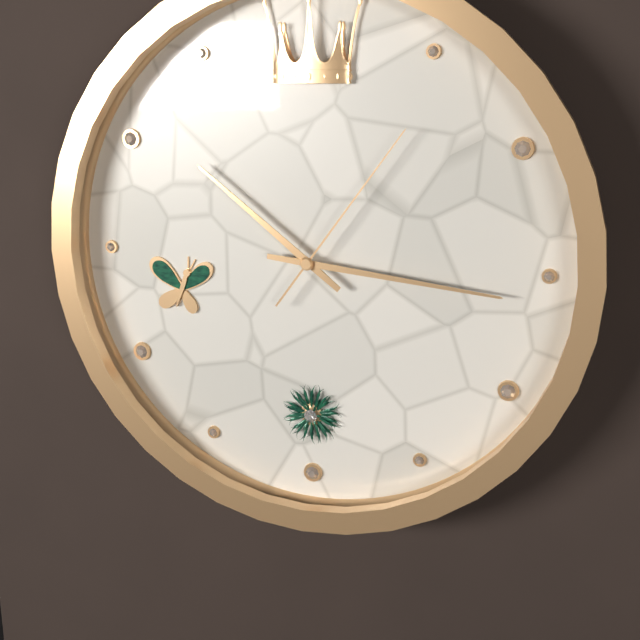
**10:16:06**
